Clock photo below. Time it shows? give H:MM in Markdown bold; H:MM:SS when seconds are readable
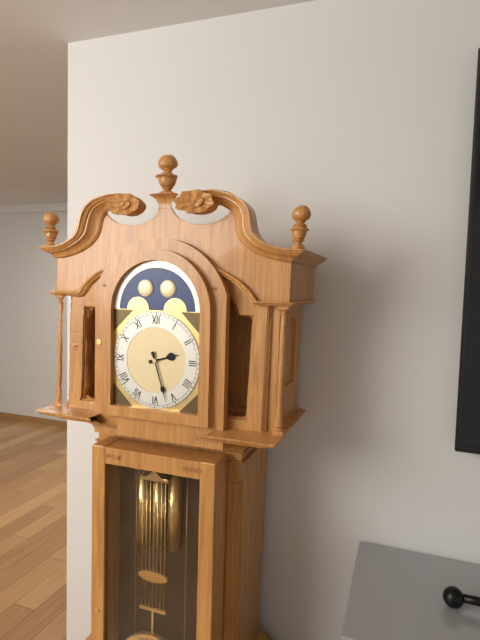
**2:27**
